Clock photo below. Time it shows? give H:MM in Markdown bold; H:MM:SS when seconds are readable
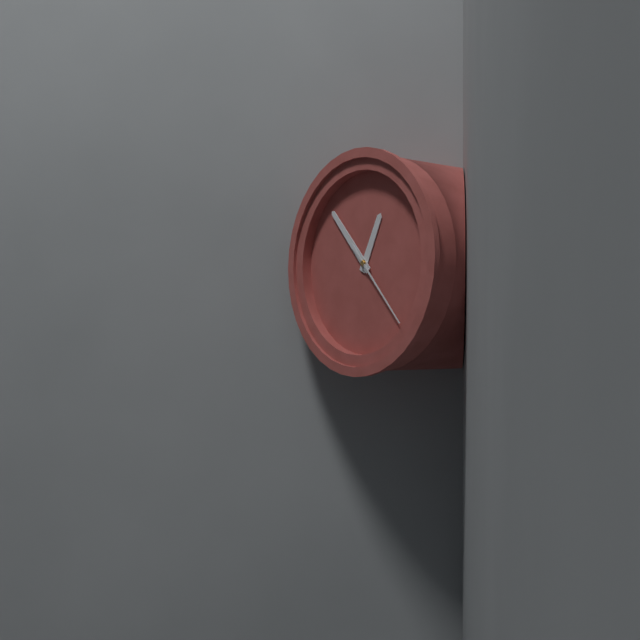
**12:53:23**
